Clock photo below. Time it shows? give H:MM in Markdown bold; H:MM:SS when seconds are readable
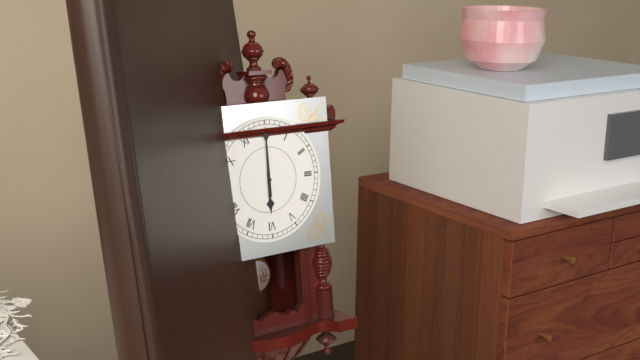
**6:00**
